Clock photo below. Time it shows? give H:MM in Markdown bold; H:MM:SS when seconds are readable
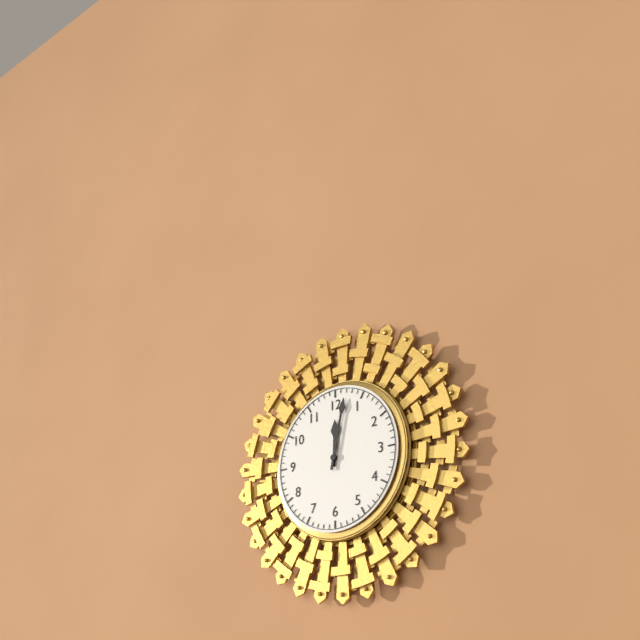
**12:02**
